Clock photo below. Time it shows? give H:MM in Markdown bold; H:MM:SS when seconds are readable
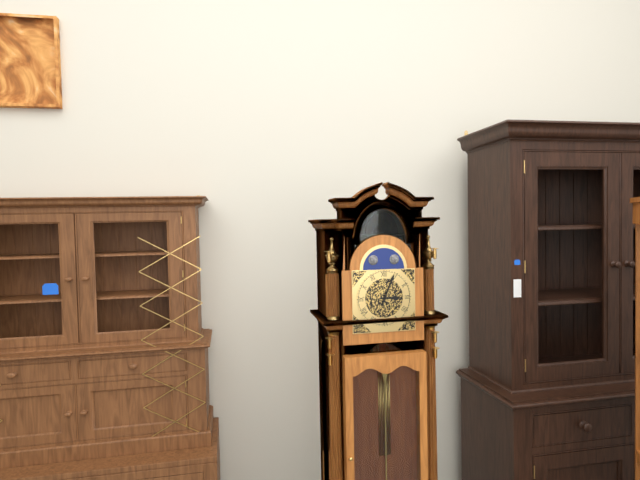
**3:04**
